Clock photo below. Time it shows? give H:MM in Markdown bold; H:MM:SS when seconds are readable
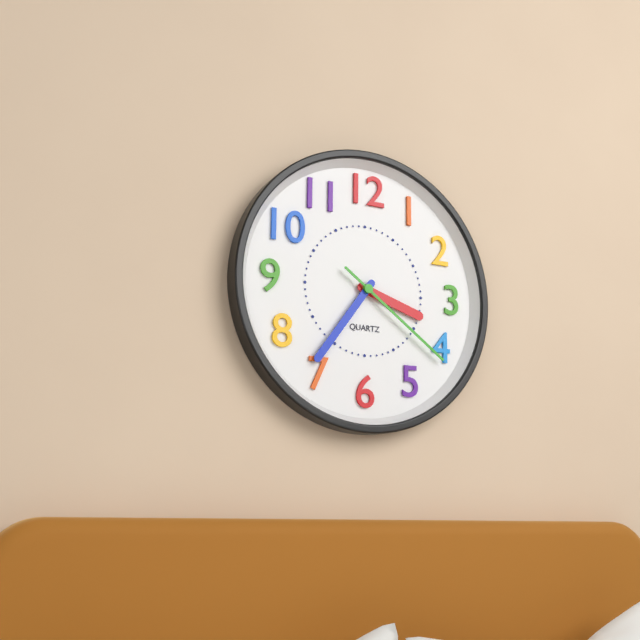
**3:36:21**
